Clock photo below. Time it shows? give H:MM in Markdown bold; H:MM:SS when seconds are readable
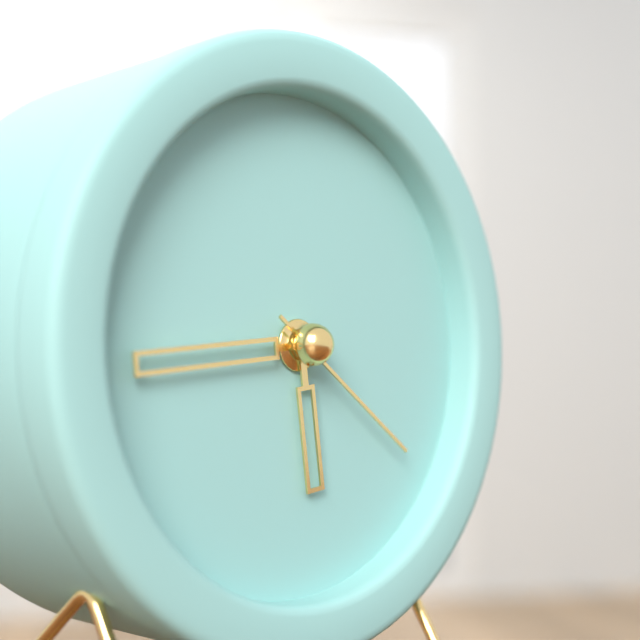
**5:44:21**
